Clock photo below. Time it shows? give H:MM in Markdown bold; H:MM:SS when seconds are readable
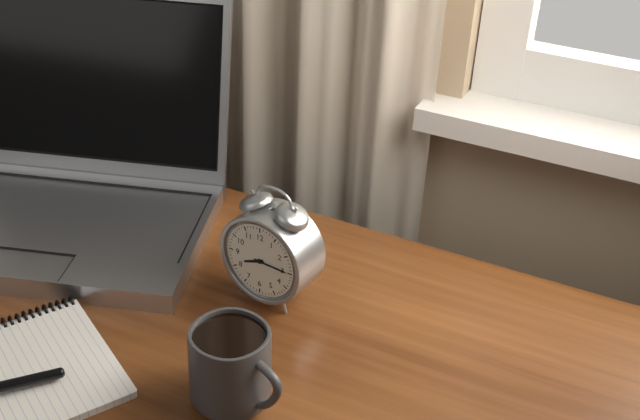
**8:15**
